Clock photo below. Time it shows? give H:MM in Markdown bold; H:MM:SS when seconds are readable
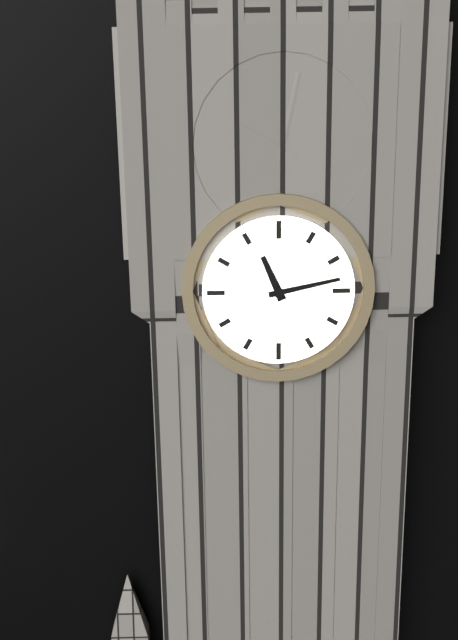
**11:13**
